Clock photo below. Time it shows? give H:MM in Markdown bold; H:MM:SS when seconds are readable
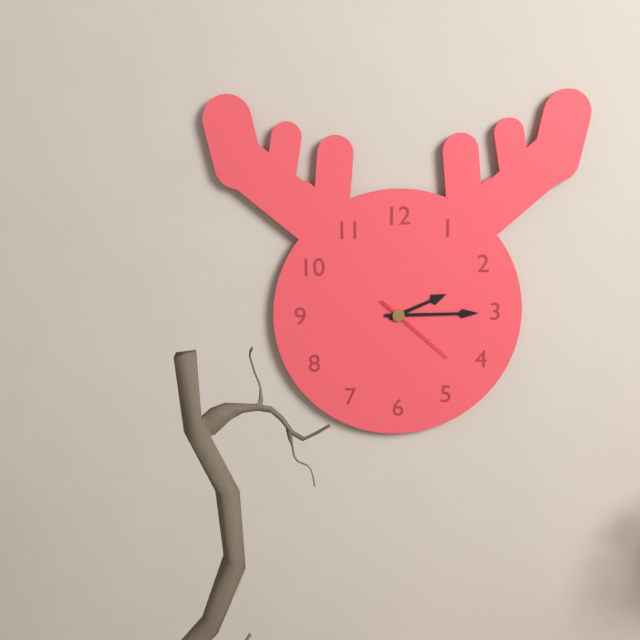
**2:15:22**
